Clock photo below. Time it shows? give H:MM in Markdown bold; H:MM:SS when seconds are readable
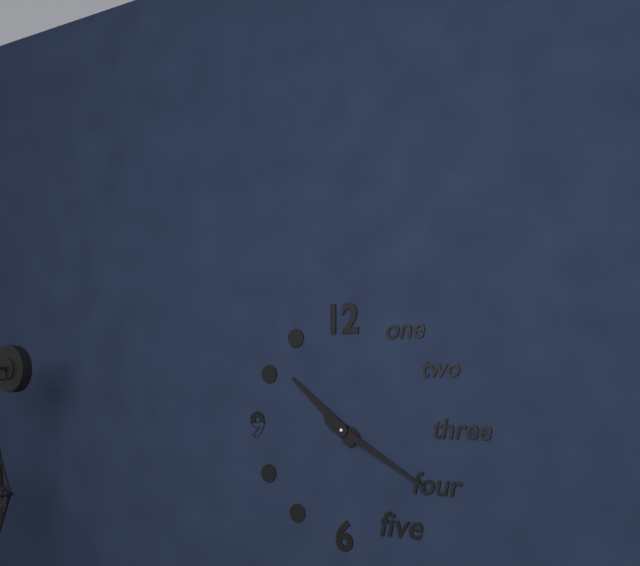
**10:20**
